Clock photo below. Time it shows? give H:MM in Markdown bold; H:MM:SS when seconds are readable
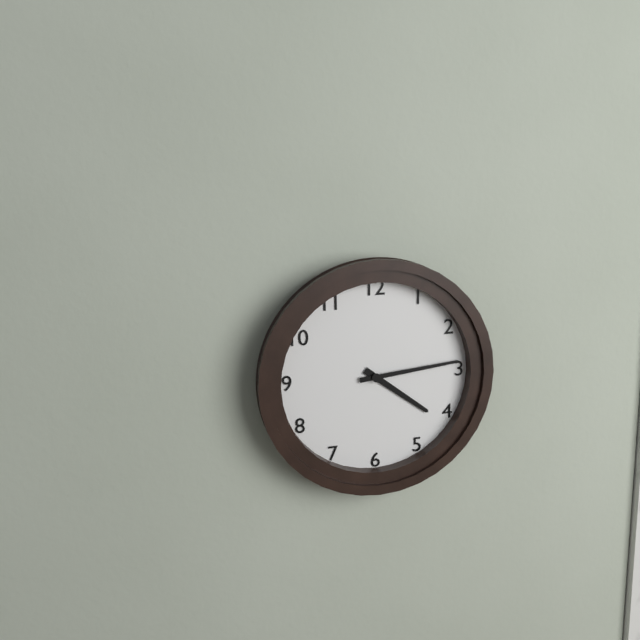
**4:14**
